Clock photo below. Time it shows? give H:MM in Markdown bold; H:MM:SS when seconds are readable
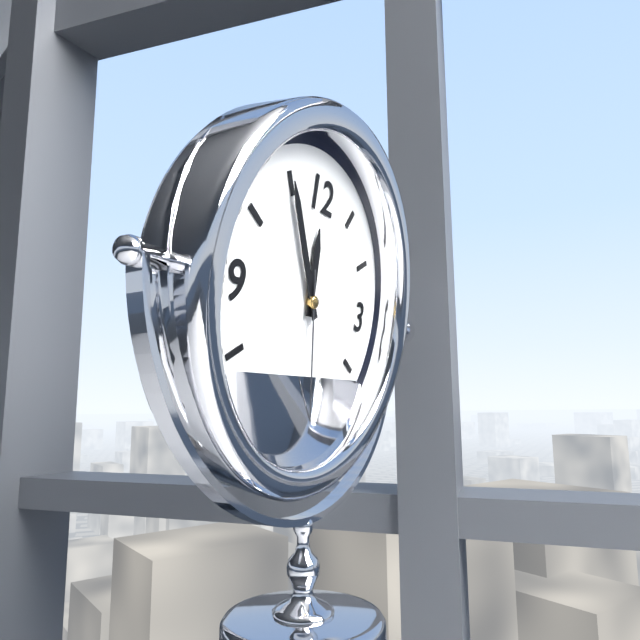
**11:55:28**
